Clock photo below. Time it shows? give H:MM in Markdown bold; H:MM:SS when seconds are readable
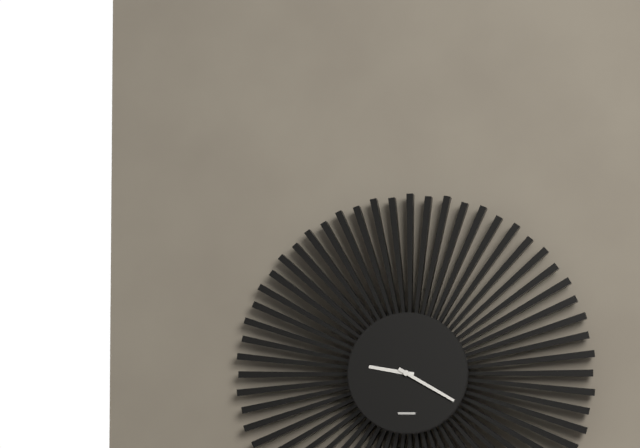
**9:20**
